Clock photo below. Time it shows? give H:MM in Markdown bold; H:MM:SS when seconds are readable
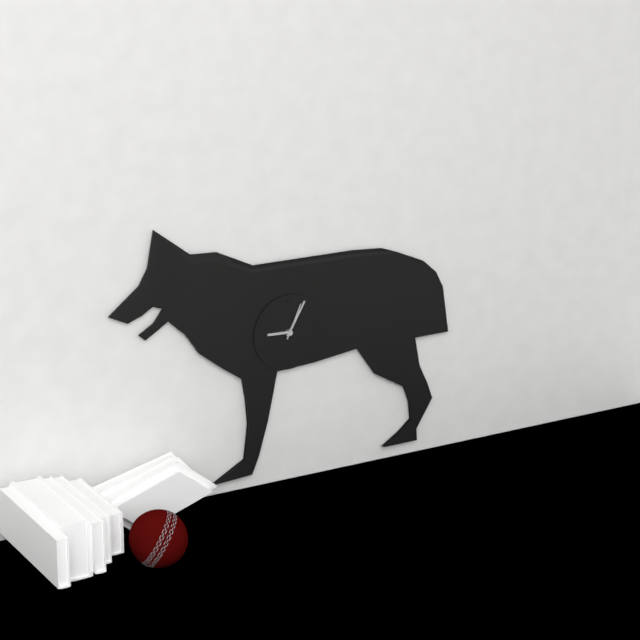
**9:05**
